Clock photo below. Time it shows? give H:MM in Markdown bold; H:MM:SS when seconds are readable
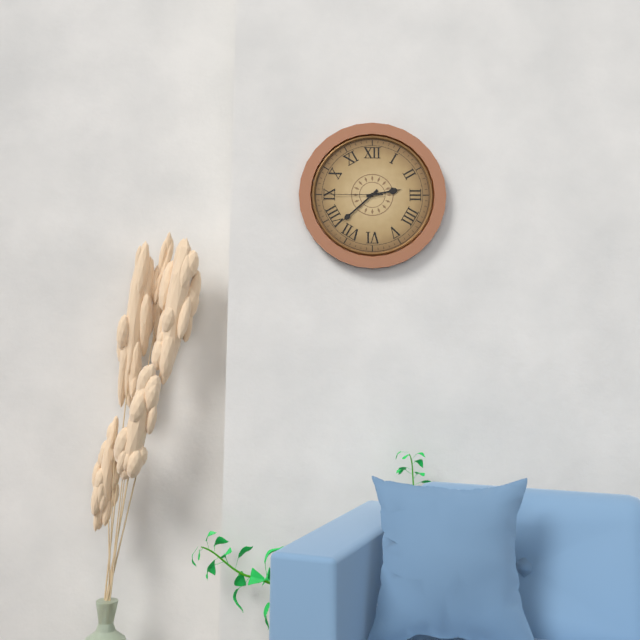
**2:38:45**
